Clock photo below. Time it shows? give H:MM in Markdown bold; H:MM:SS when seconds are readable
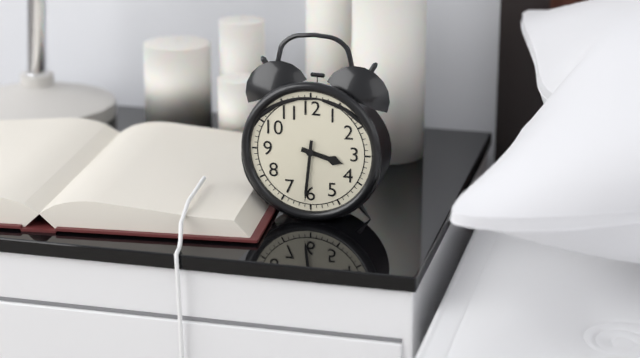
**3:31**
